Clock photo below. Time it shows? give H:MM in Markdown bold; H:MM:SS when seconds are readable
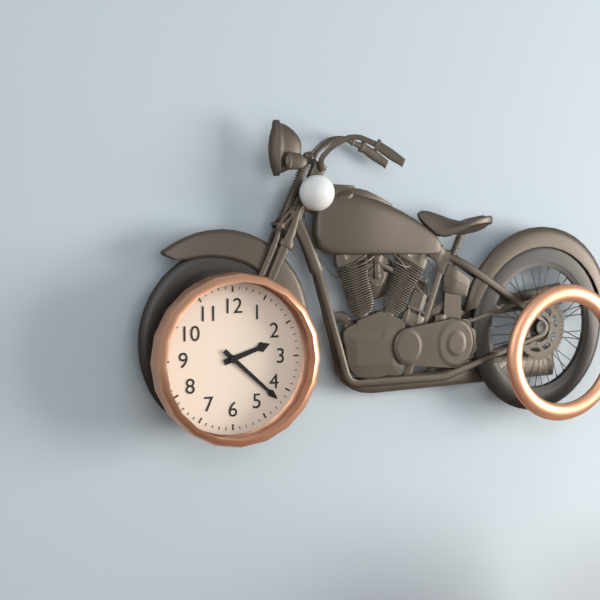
**2:22**
